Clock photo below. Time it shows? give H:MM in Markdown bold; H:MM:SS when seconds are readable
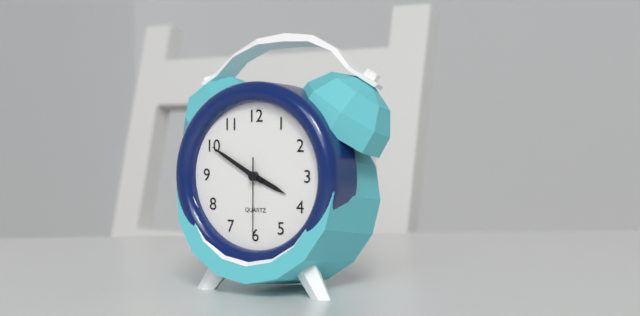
**3:50:30**
